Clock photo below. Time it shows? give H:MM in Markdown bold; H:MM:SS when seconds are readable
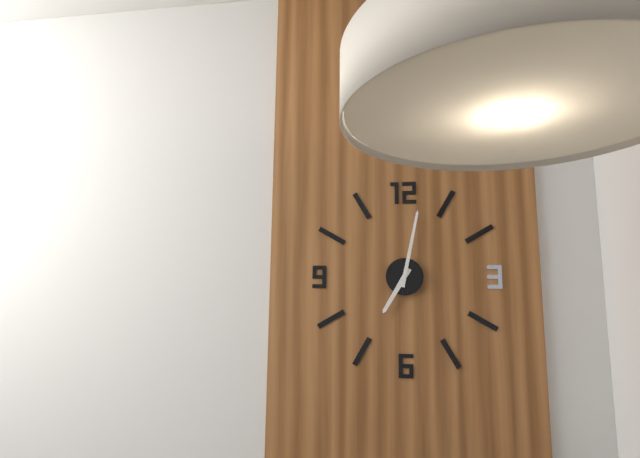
**7:02**
